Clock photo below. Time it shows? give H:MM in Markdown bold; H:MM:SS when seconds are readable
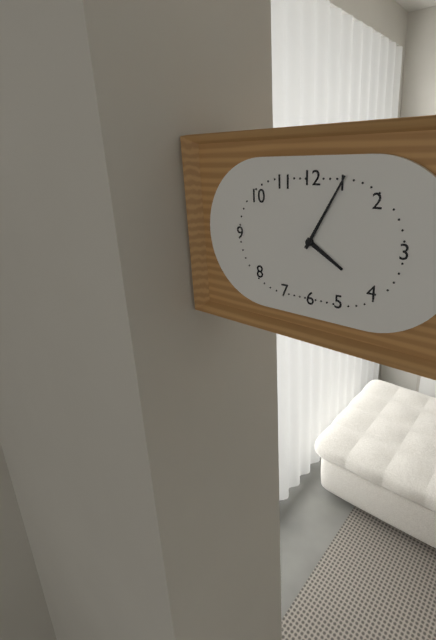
**4:05**
